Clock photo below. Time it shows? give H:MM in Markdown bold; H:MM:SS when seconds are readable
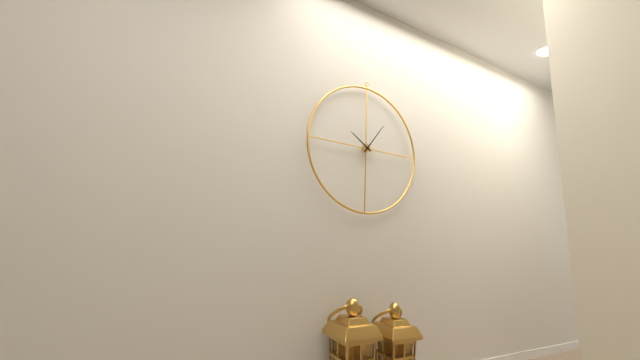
**10:06**
